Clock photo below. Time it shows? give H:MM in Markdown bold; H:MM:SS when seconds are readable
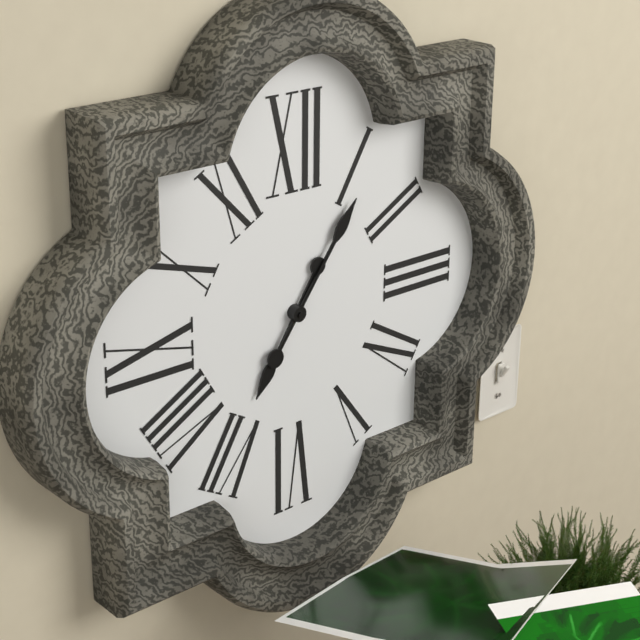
**7:06**
